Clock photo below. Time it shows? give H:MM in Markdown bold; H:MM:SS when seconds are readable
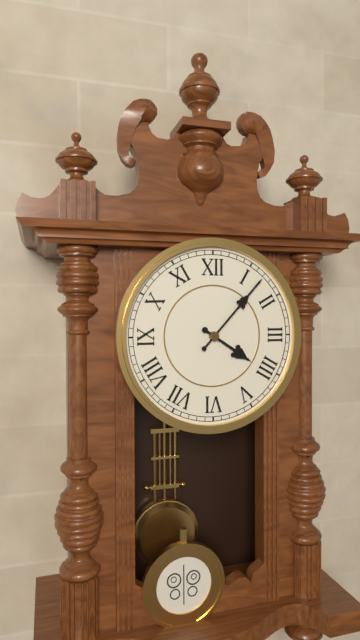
**4:07**
